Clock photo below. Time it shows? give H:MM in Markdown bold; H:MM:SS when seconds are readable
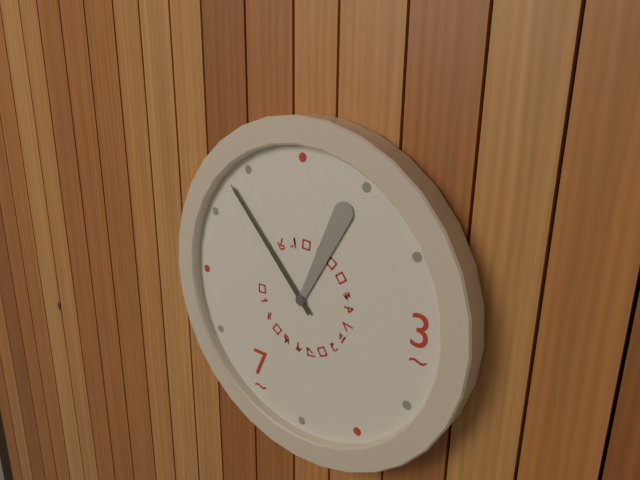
**12:53**
